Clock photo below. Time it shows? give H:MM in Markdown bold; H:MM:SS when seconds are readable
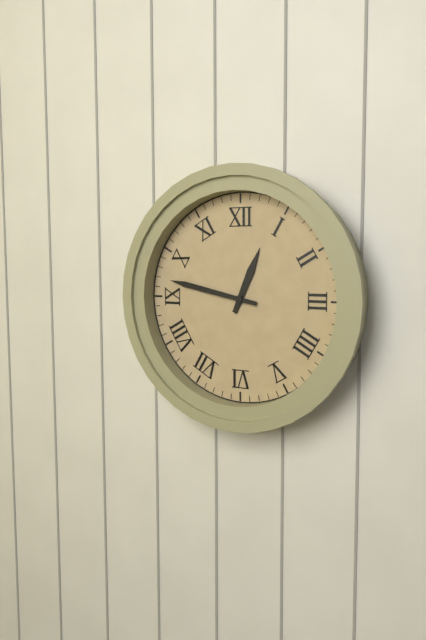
**12:47**
